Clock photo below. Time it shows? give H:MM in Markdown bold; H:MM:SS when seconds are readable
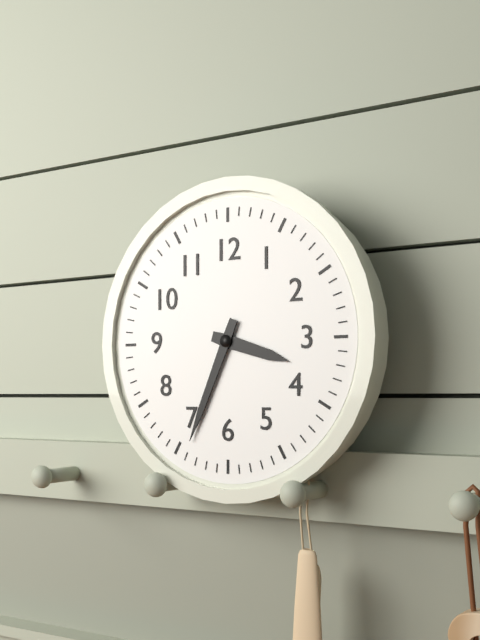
**3:34**
